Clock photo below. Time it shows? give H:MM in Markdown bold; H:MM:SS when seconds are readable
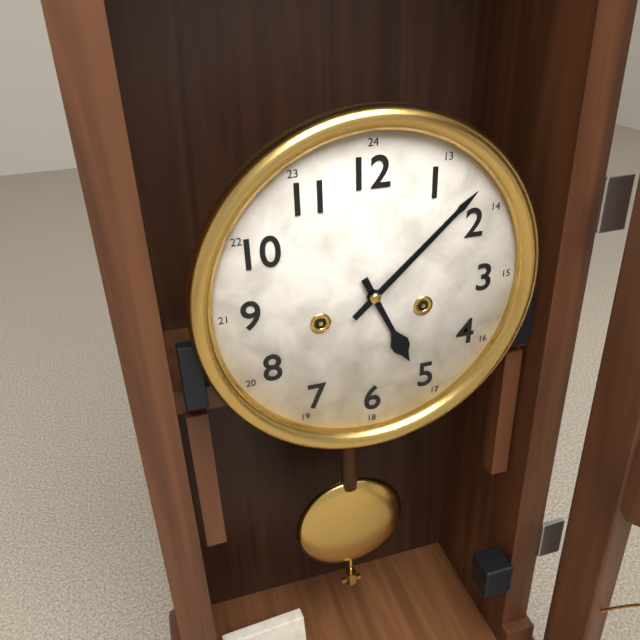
**5:08**
